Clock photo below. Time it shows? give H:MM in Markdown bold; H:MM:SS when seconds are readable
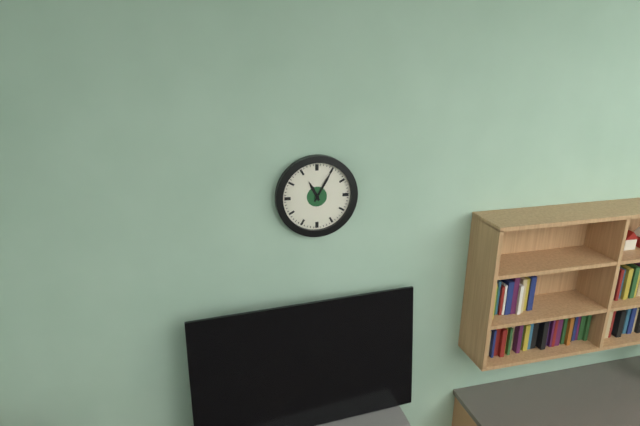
**11:05**
